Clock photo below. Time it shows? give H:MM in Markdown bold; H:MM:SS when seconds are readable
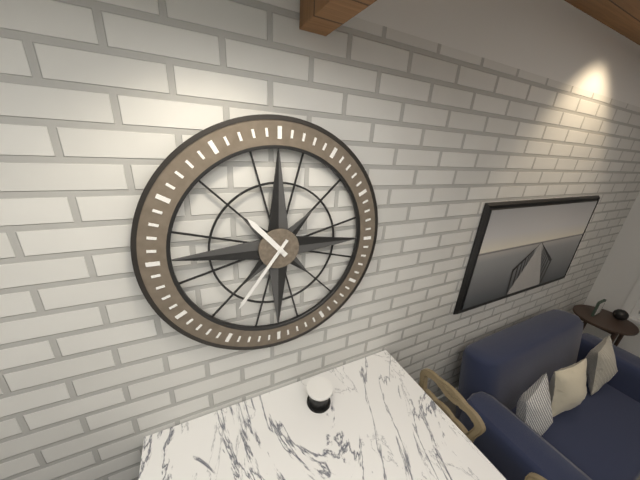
**10:36**
